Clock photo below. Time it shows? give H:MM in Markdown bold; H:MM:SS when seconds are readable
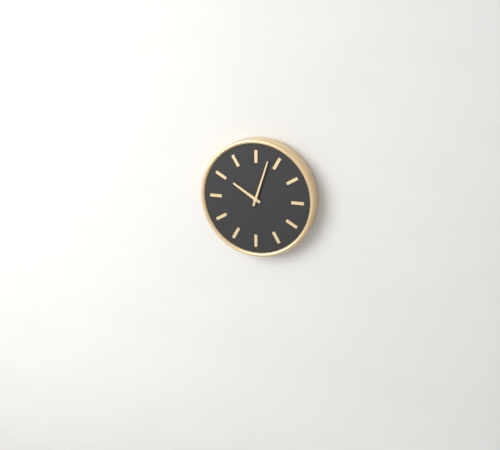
**10:03**
